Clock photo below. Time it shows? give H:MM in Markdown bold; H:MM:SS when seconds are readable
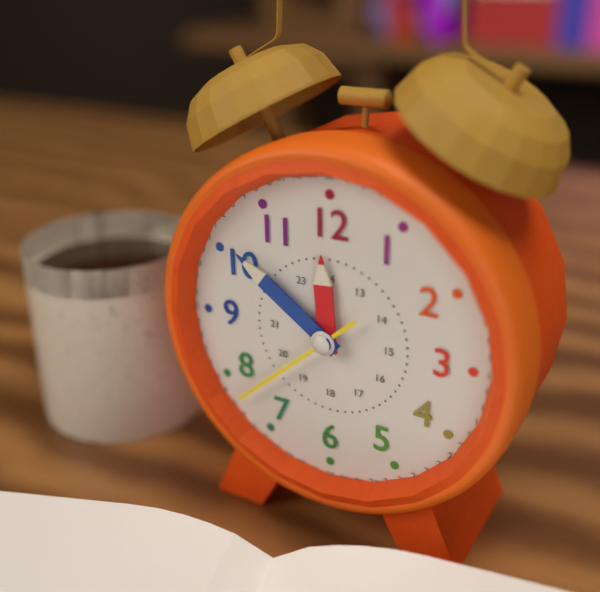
**11:51:38**
